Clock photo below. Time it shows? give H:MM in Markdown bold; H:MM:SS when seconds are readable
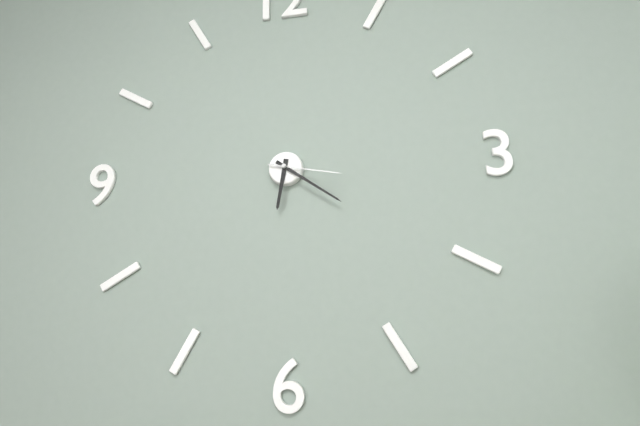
**6:21:17**
